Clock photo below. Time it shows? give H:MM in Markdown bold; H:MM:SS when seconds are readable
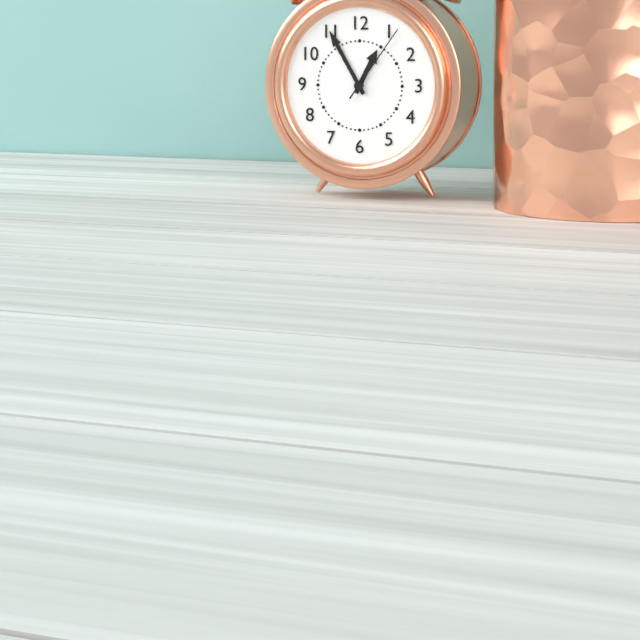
**12:55:06**
